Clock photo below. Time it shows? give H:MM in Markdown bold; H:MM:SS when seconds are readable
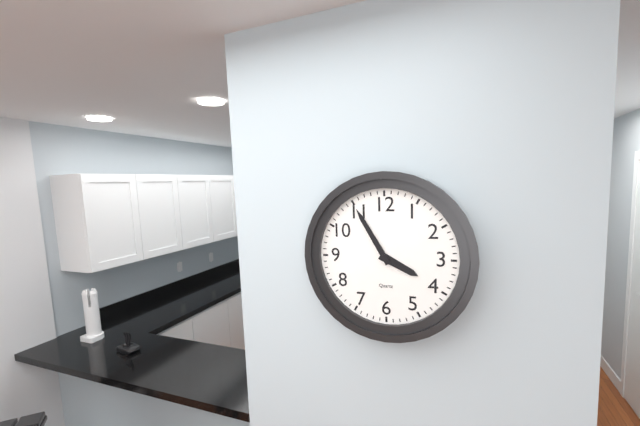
**3:55**
